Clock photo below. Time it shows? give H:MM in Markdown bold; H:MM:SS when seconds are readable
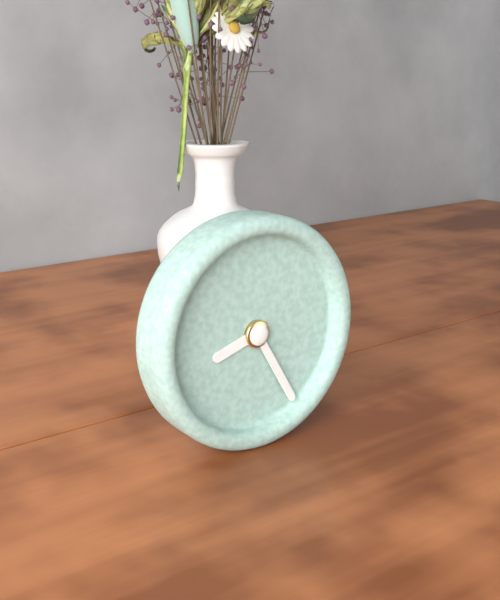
**8:25**
